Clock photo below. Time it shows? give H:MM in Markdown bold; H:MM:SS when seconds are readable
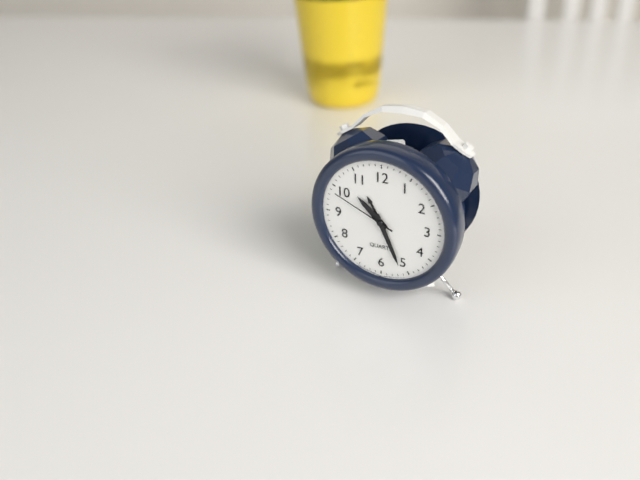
**10:26:49**
